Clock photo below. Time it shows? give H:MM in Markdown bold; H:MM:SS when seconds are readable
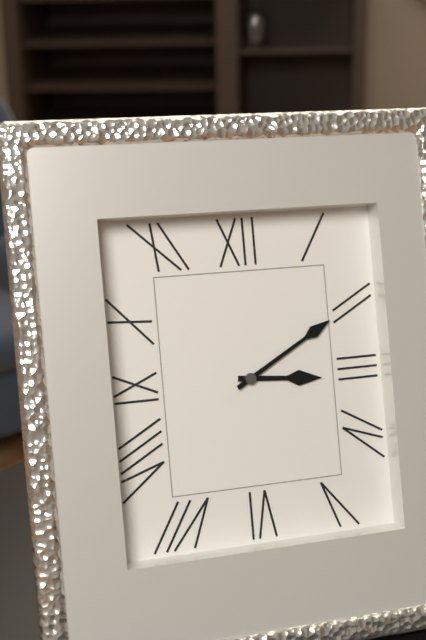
**3:10**
